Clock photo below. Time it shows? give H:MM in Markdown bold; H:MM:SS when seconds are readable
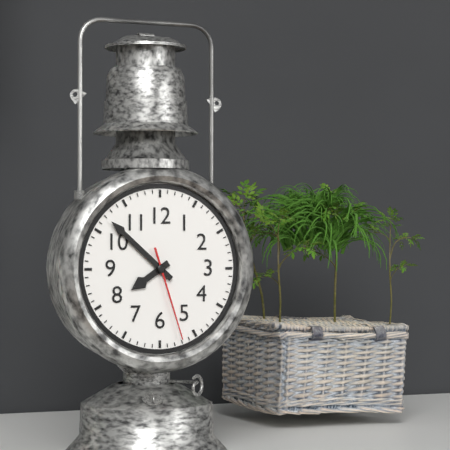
**7:52:27**
